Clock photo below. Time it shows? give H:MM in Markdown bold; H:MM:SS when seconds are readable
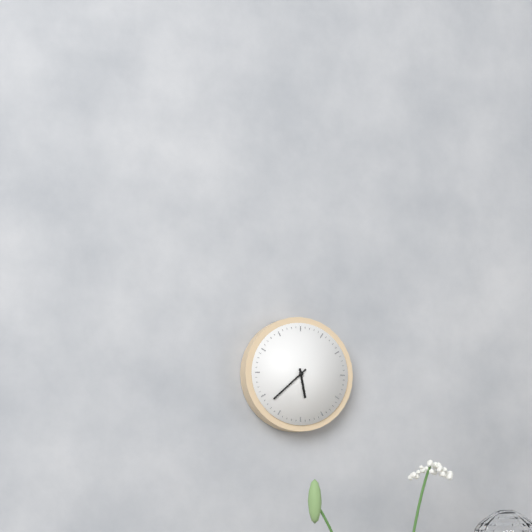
**5:38**
